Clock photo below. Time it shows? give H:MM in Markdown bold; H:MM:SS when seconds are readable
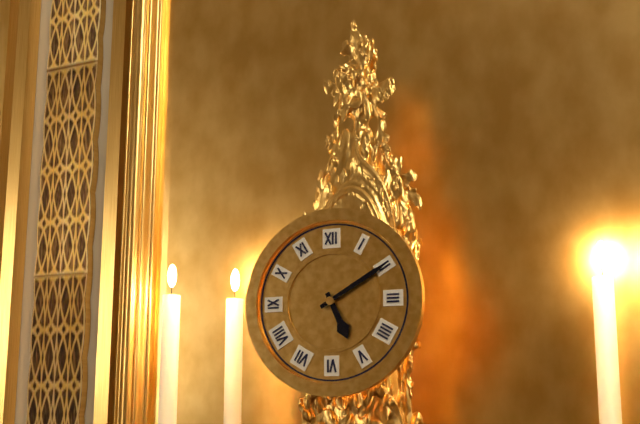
**5:10**
